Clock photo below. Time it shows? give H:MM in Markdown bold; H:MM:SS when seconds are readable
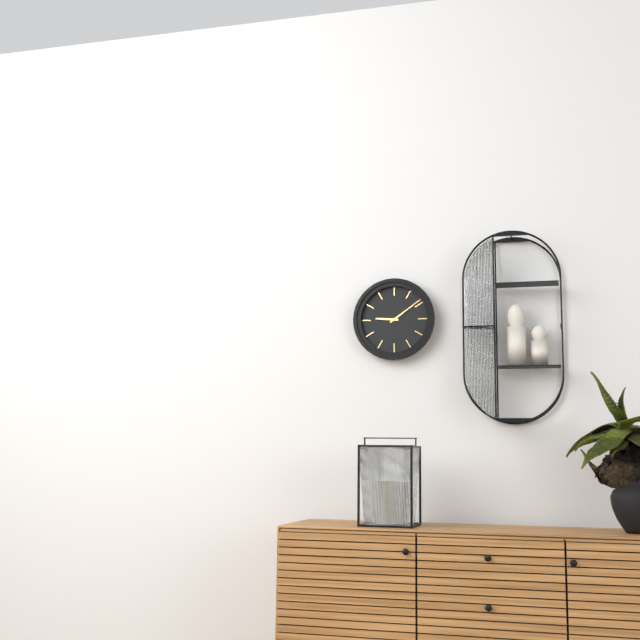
**9:09**
